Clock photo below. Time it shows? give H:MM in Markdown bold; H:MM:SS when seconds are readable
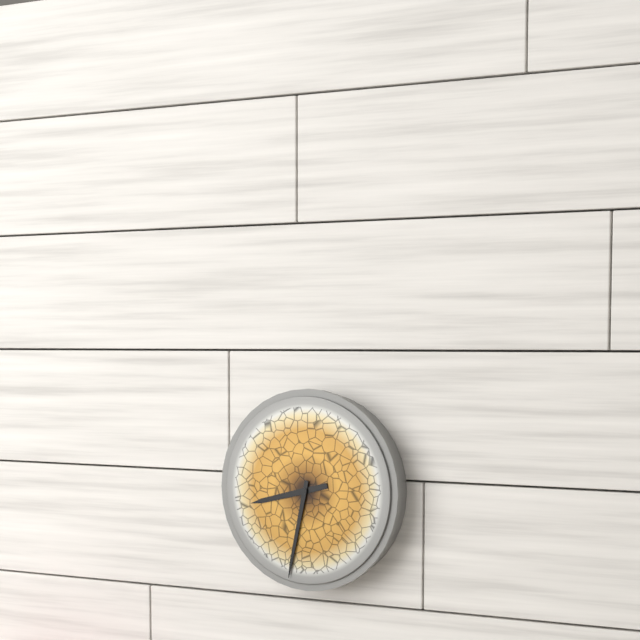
**8:32**
